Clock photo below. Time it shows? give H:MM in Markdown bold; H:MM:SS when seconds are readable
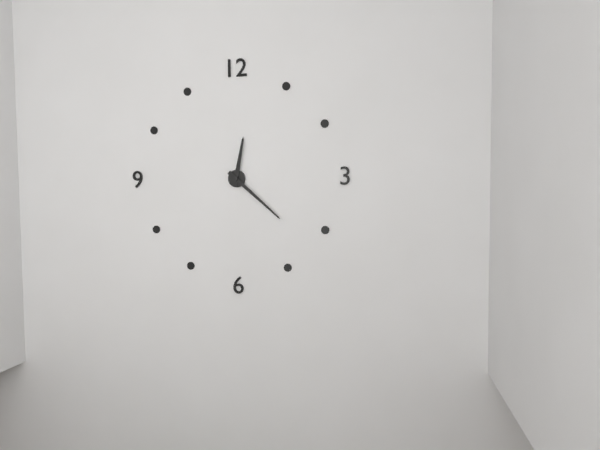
**12:22**
